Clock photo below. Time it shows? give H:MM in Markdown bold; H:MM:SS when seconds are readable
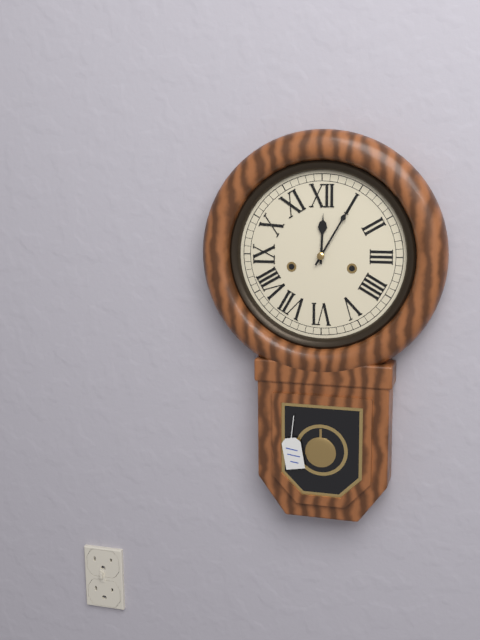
**12:05**
